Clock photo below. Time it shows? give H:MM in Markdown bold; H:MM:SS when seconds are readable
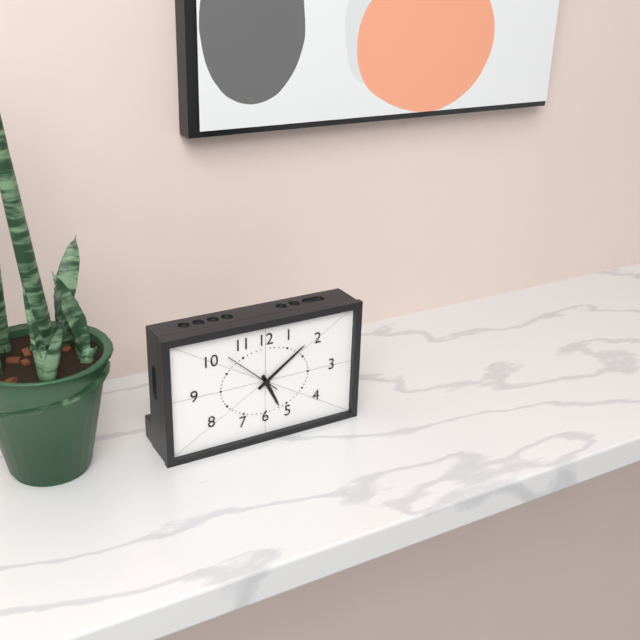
**5:09:52**
